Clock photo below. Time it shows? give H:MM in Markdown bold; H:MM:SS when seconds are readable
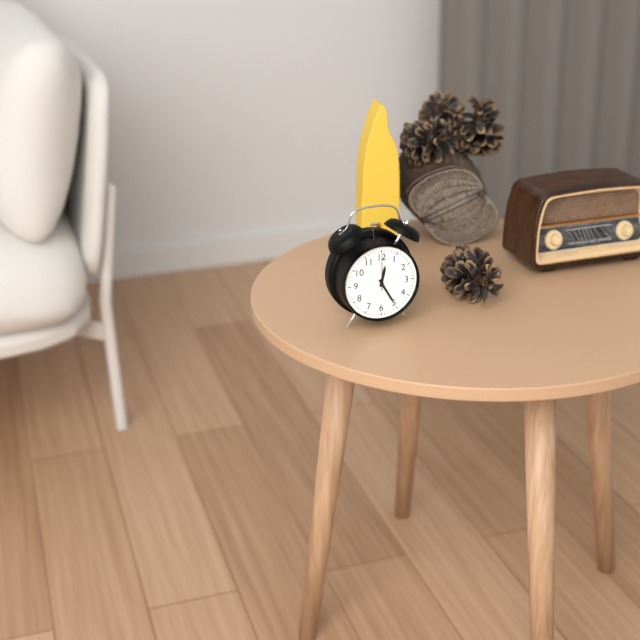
**12:25**
